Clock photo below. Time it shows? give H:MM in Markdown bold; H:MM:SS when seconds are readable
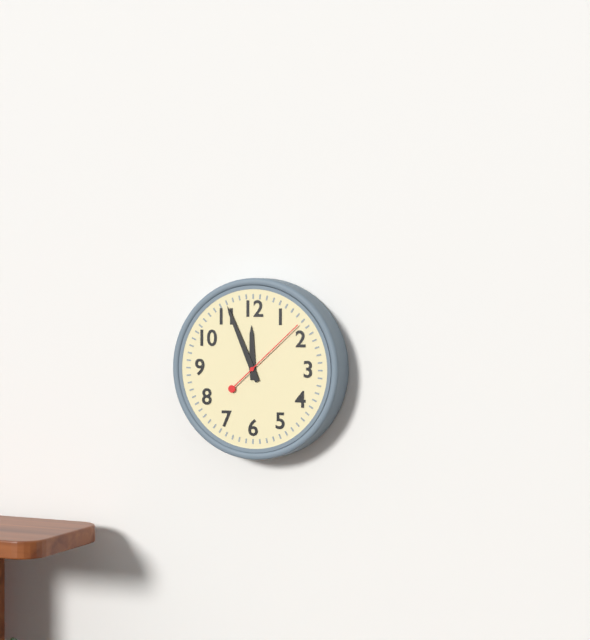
**11:56:08**
